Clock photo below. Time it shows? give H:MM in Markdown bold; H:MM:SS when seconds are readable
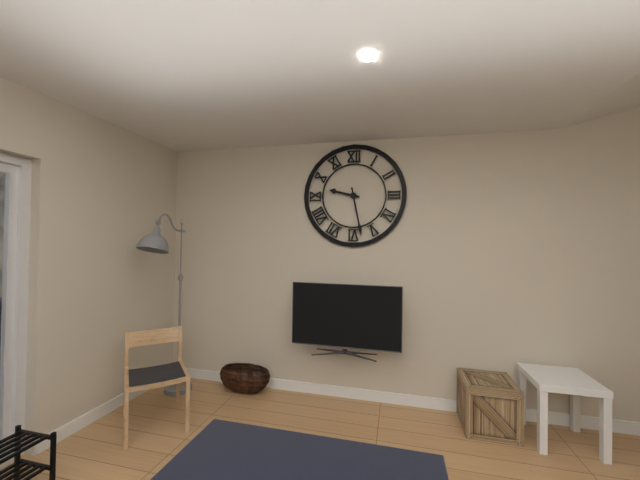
**9:28**
